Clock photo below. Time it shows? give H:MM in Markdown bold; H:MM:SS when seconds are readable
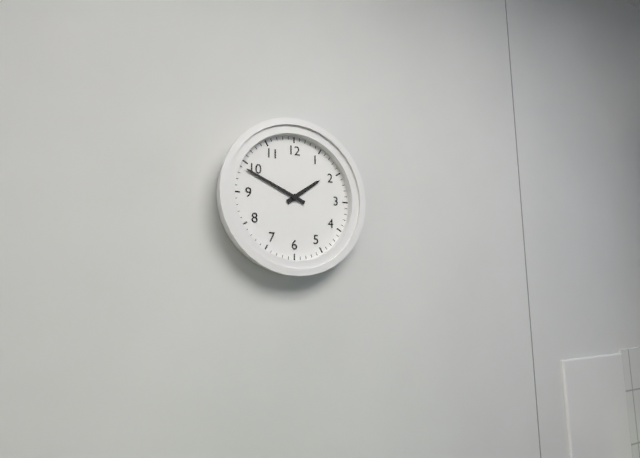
**1:49**
